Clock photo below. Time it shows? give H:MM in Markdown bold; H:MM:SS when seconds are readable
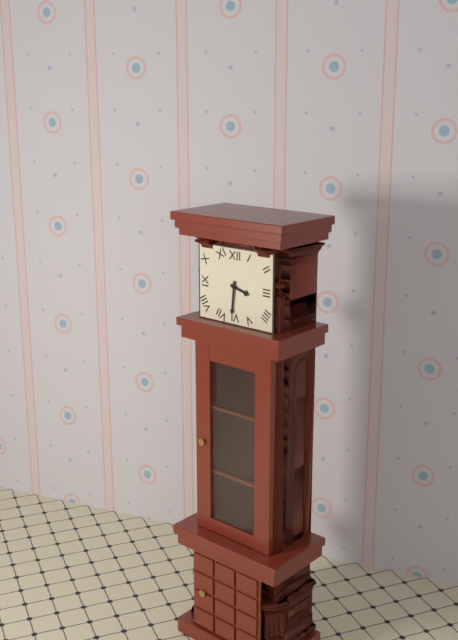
**3:31**
